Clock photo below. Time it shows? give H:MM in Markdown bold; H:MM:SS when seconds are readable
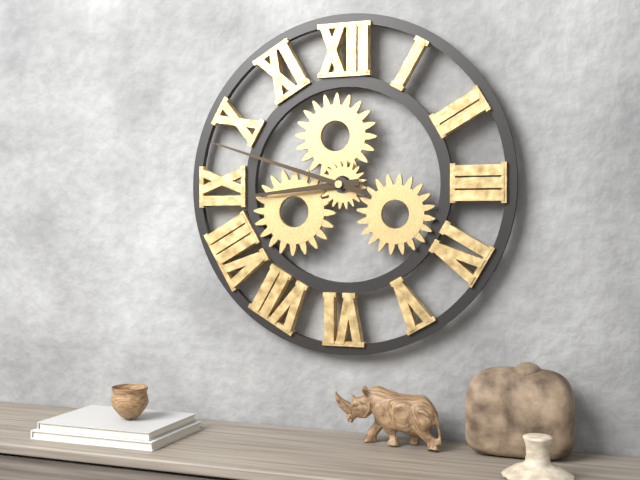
**8:48**
